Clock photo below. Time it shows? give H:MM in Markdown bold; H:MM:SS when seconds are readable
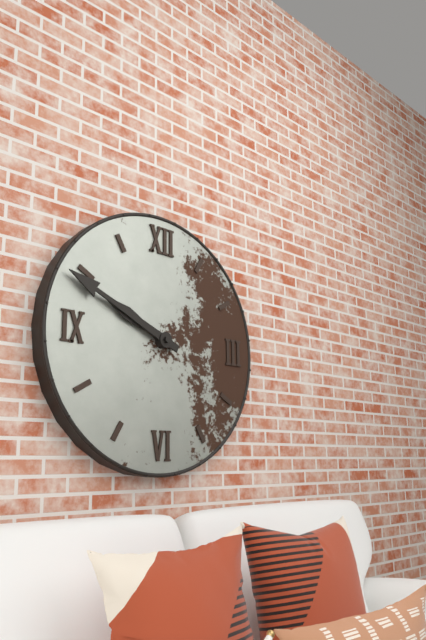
**9:49**
